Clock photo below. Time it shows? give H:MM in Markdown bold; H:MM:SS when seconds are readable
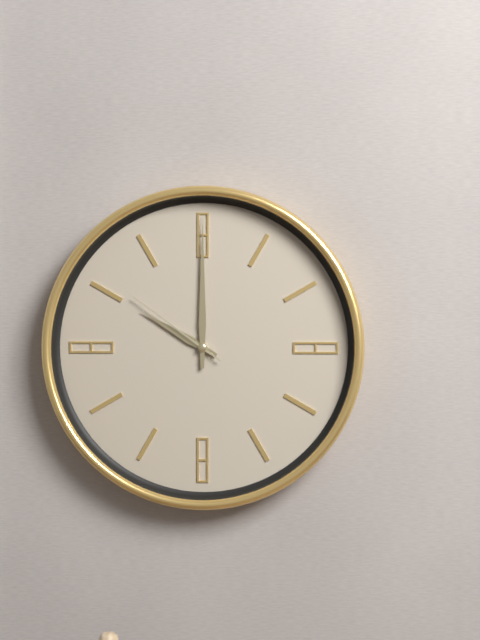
**10:00:51**
